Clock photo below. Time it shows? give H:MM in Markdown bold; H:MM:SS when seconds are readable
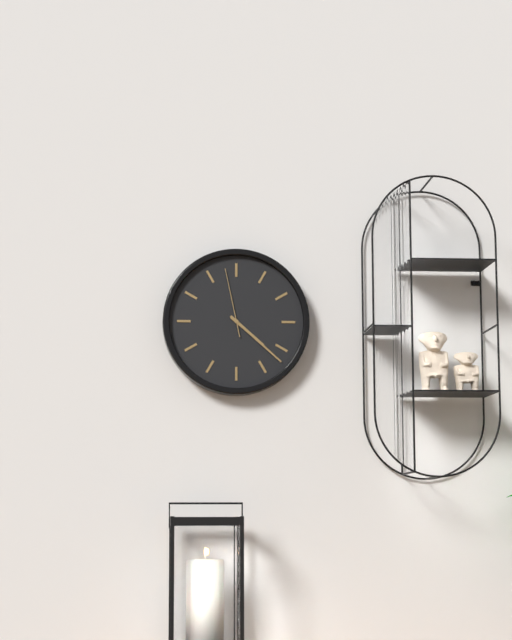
**4:22:58**
